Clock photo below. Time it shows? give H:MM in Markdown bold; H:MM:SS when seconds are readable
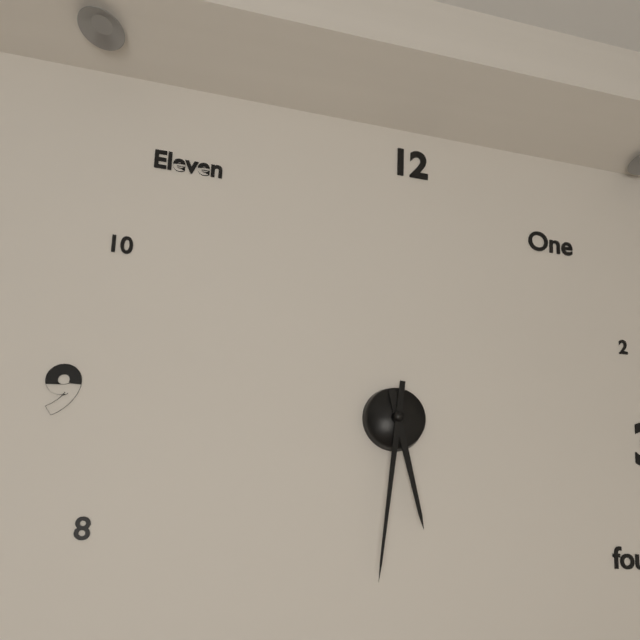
**5:31**
